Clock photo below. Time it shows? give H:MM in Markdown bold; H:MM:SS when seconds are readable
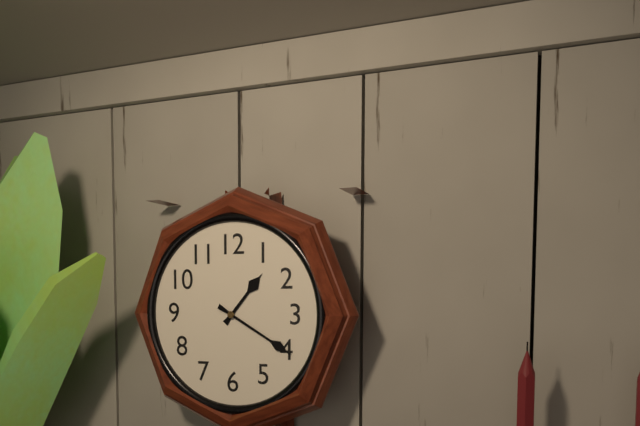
**1:20**
